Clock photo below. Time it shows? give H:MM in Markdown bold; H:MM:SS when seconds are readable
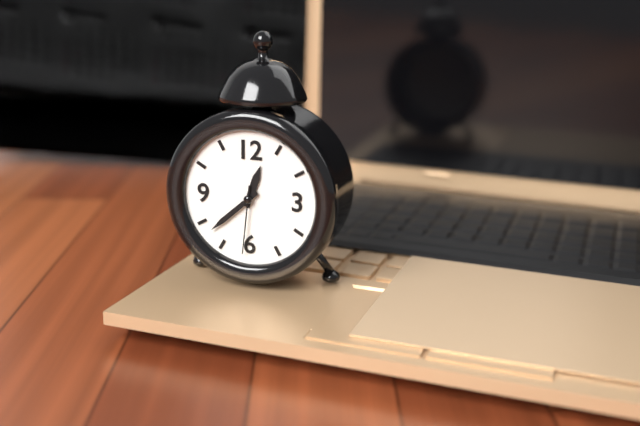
**12:38:31**
